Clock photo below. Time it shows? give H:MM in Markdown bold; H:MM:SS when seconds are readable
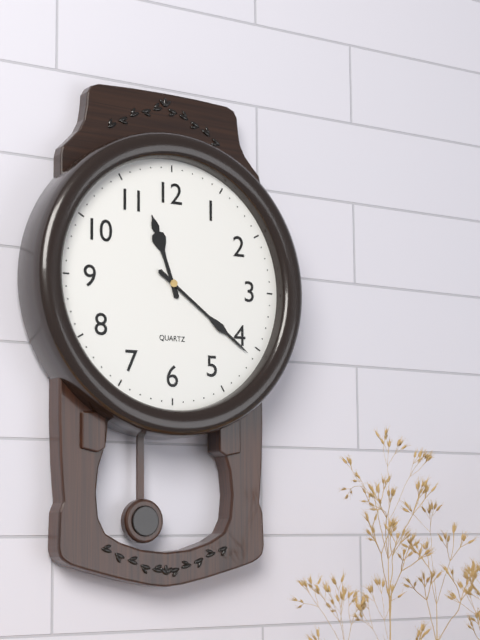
**11:21**
